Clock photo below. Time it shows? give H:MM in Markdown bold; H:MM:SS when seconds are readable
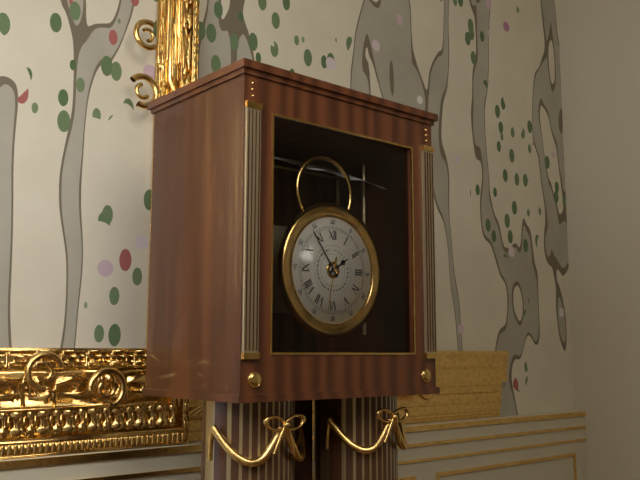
**1:54:32**
